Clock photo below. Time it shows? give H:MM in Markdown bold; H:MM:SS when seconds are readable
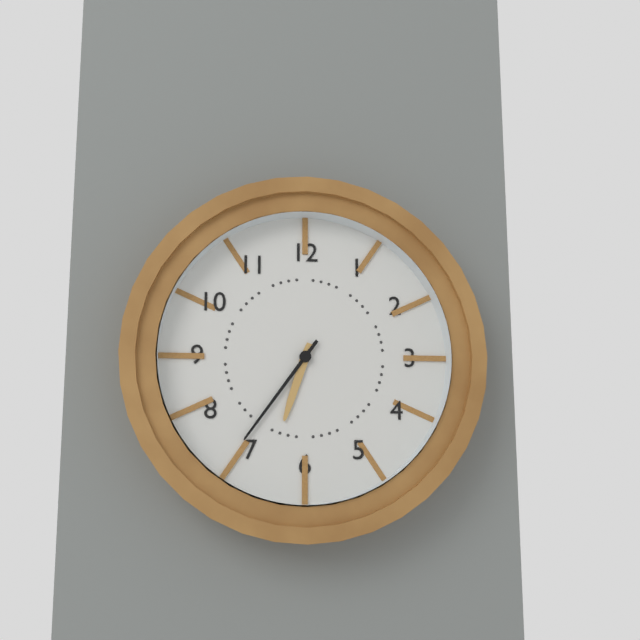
**6:36**
